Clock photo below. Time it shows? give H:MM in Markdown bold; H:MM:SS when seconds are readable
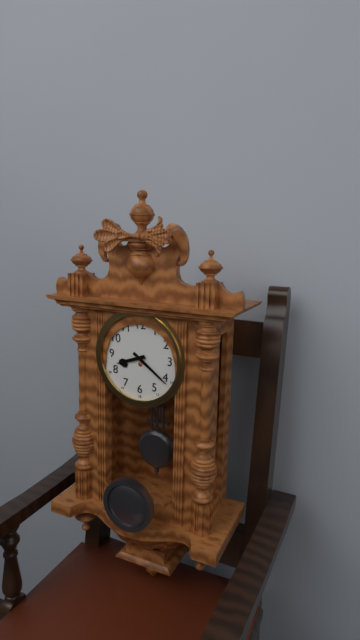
**8:21**
